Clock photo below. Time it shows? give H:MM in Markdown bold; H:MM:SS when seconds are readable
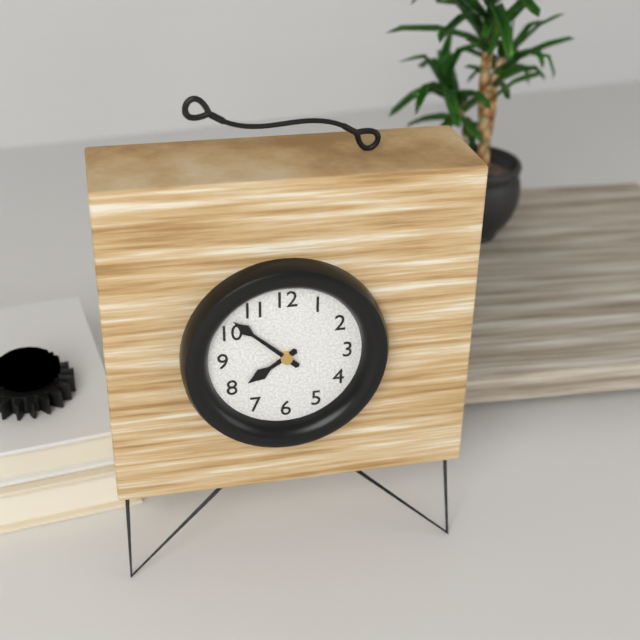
**7:52**
